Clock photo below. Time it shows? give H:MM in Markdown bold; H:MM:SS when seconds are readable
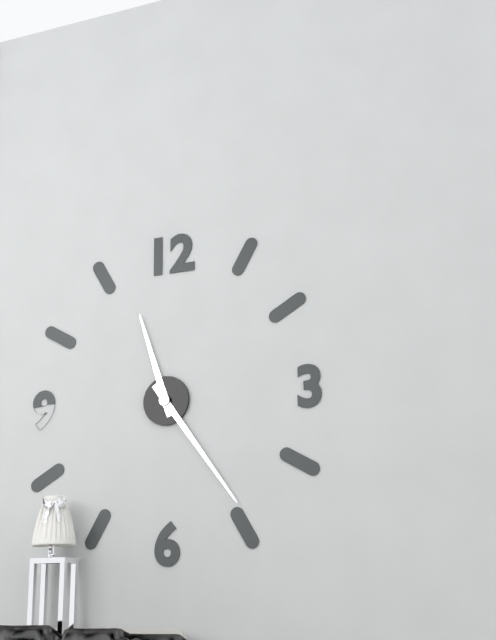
**11:24**
